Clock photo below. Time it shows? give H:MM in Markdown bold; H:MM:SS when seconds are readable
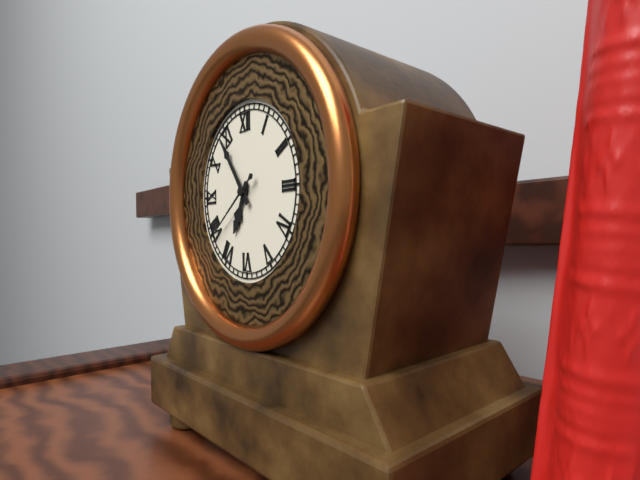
**6:54:39**
